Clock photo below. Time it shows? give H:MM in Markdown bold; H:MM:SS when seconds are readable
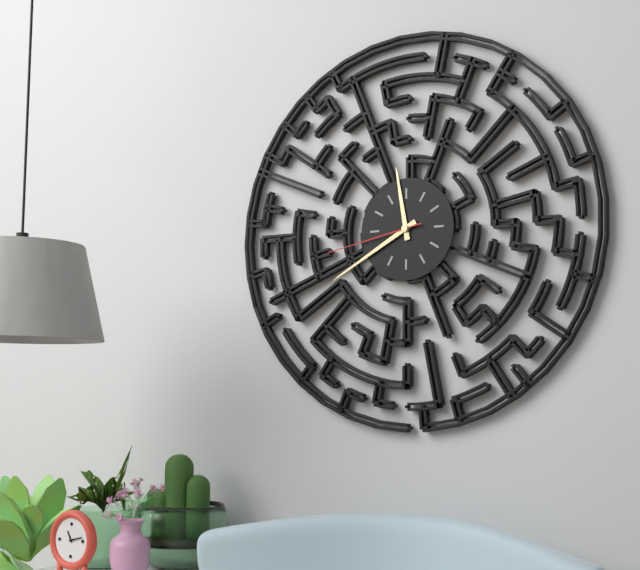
**11:40:43**
